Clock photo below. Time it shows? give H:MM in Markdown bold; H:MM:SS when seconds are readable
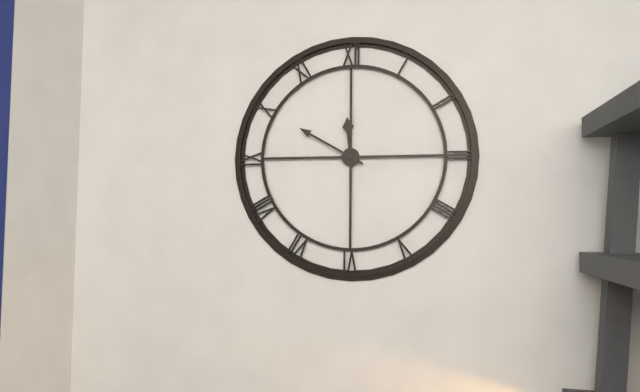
**11:50**
